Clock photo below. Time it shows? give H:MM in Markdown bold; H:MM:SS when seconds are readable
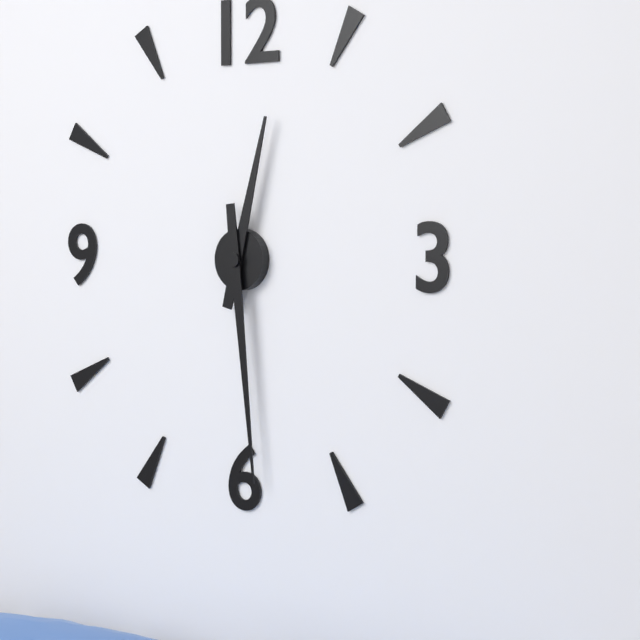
**12:29**
